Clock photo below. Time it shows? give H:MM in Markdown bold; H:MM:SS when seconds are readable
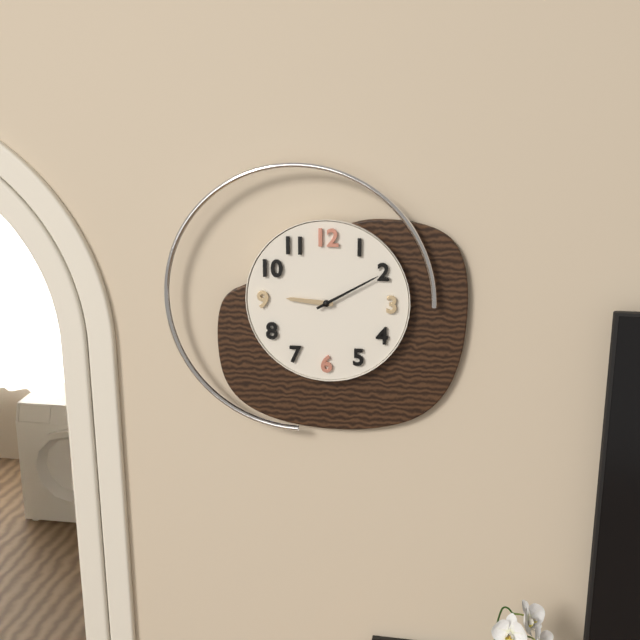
**9:10**
